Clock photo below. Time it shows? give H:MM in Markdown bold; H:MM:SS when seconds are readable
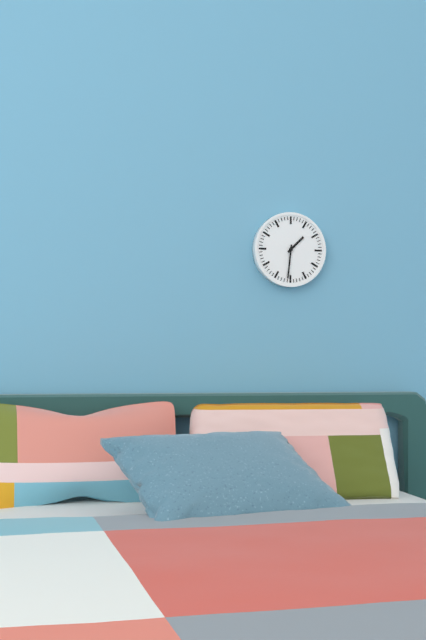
**1:31**
